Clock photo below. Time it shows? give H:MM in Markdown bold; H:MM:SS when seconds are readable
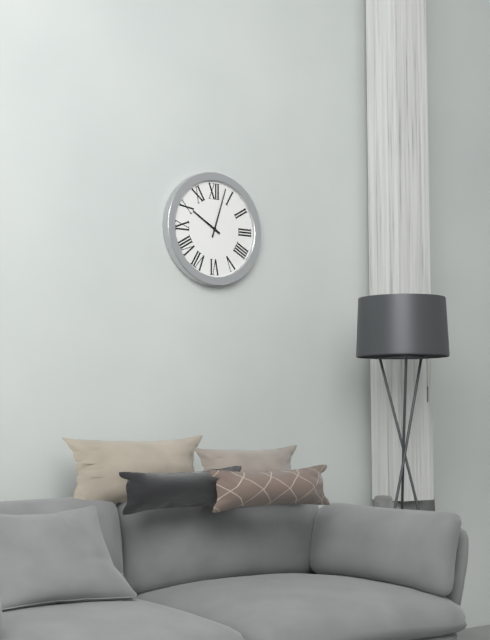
**10:03**
